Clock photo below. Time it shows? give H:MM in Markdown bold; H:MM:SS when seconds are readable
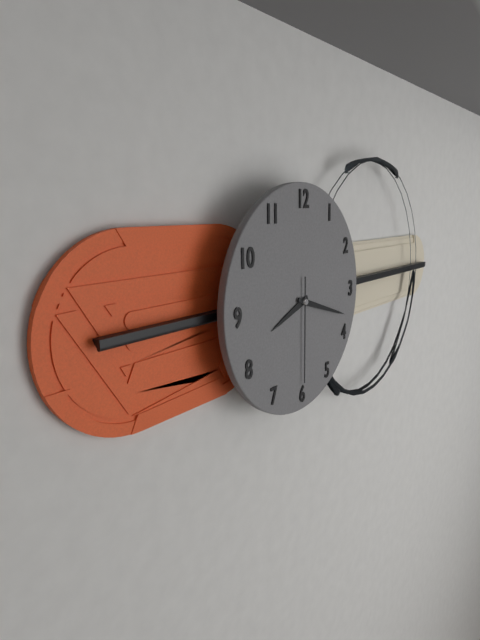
**8:18:30**
